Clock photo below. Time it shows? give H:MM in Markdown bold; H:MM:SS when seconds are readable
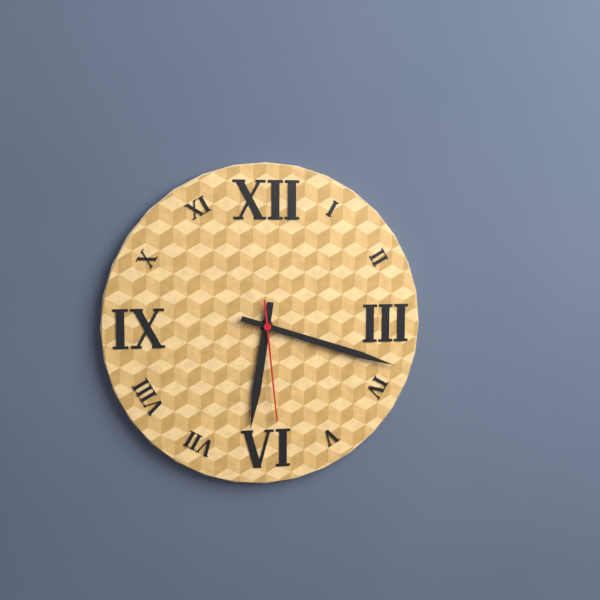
**6:18:29**
